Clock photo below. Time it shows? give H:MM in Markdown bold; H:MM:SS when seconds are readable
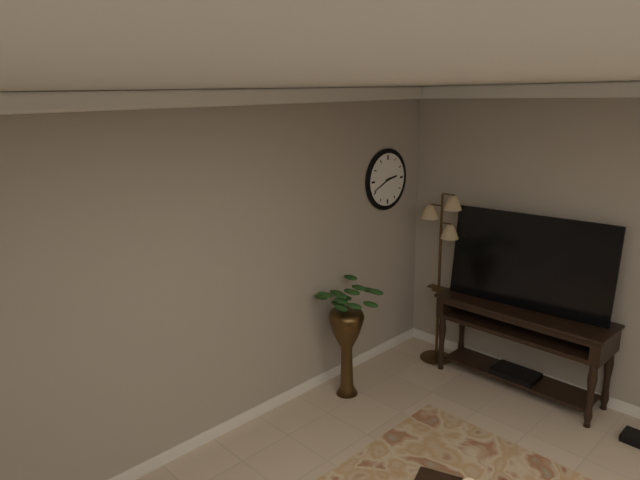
**2:41**
